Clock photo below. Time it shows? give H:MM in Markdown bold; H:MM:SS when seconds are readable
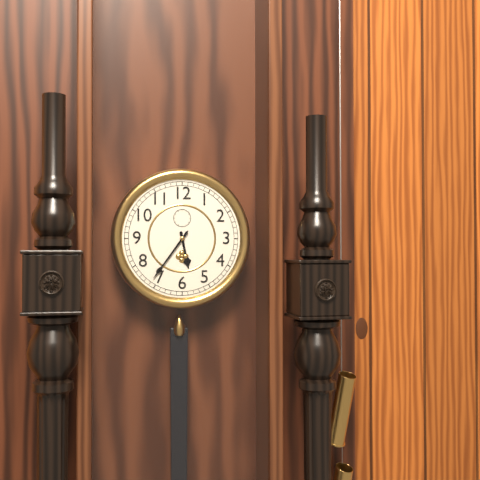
**5:36**
